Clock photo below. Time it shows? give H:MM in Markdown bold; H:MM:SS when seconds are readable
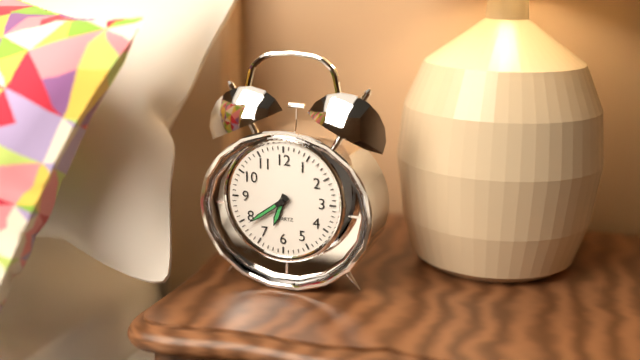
**6:39**
